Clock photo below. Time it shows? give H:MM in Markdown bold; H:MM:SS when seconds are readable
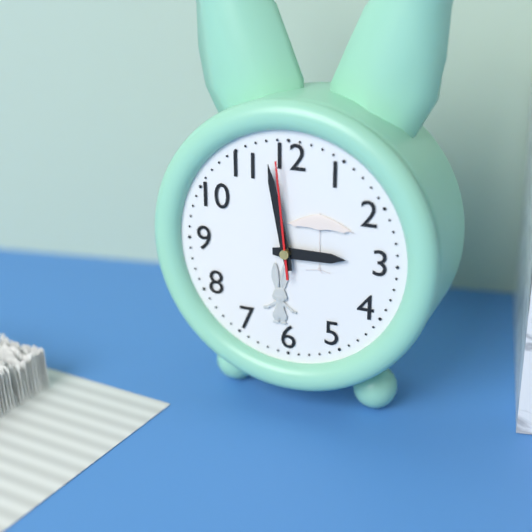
**2:58:59**
